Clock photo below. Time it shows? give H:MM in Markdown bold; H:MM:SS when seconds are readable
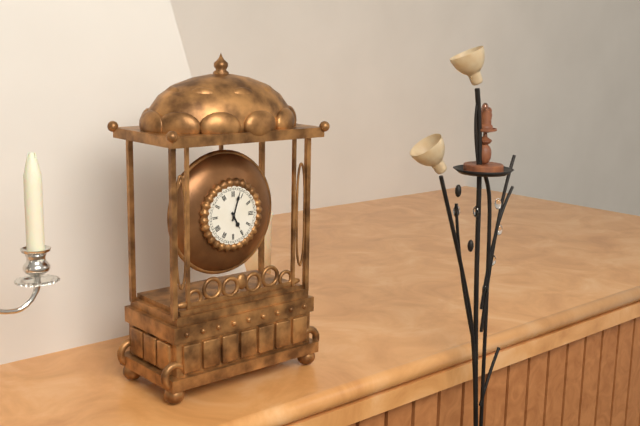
**5:03**
